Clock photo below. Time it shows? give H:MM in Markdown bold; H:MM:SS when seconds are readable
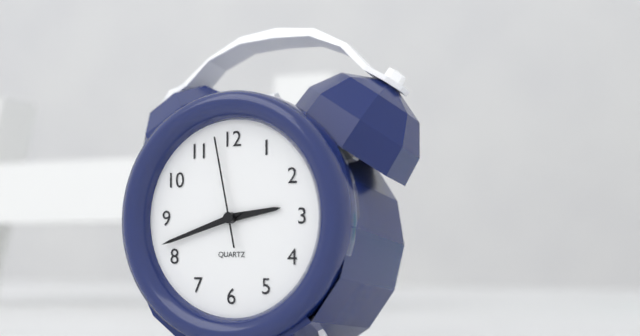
**2:42:58**
